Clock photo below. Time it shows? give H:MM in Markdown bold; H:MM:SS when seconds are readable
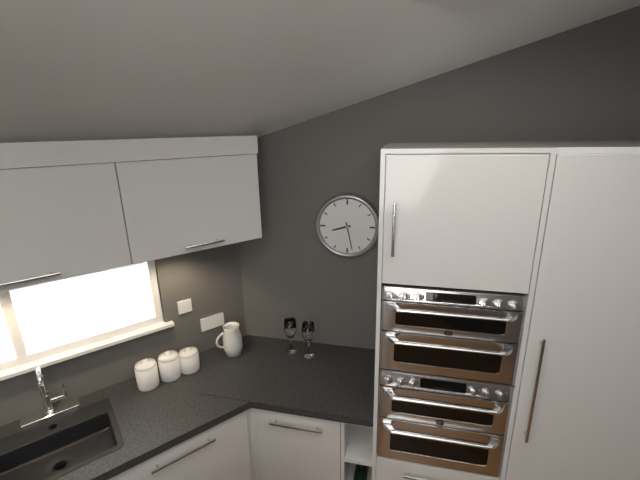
**8:28**
